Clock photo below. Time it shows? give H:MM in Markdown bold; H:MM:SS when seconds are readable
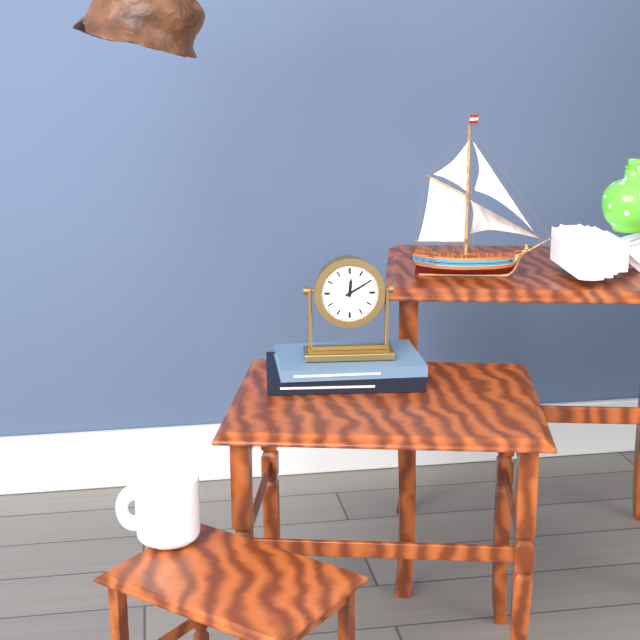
**12:10**
